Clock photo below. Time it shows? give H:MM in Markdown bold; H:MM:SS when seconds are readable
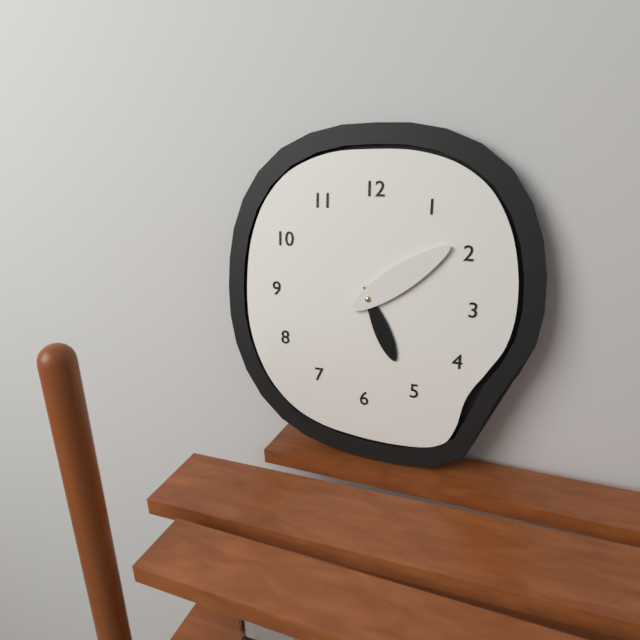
**5:09**
